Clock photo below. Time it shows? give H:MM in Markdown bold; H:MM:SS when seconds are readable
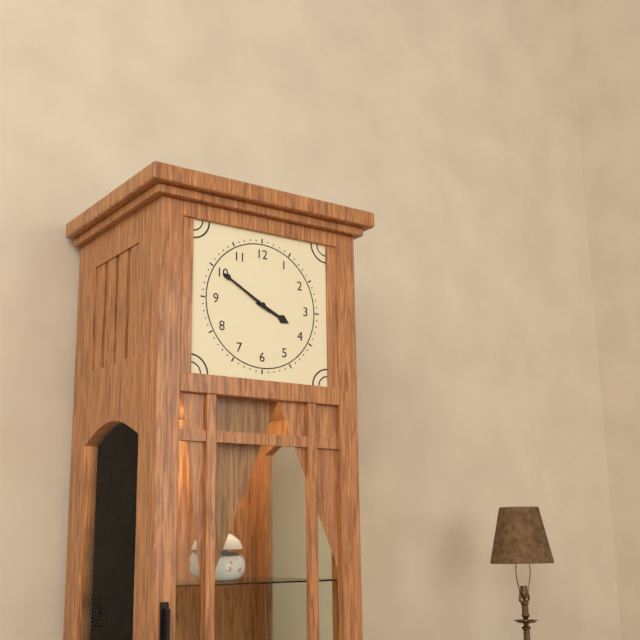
**3:50**
